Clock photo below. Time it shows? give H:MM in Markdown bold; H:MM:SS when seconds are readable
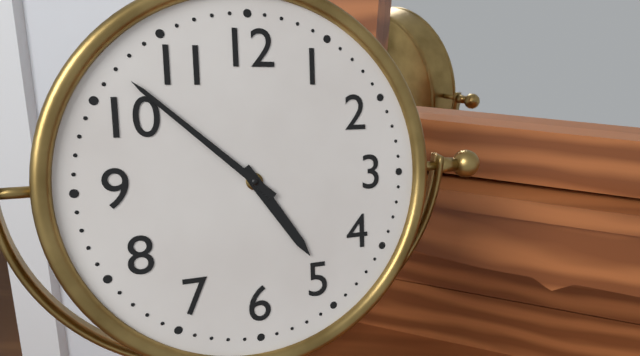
**4:52**
